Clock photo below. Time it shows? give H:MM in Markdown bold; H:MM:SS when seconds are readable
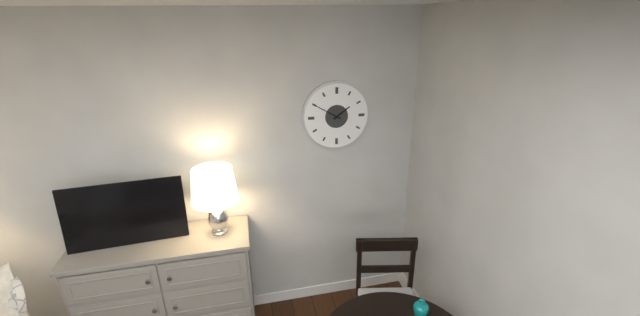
**1:50**
